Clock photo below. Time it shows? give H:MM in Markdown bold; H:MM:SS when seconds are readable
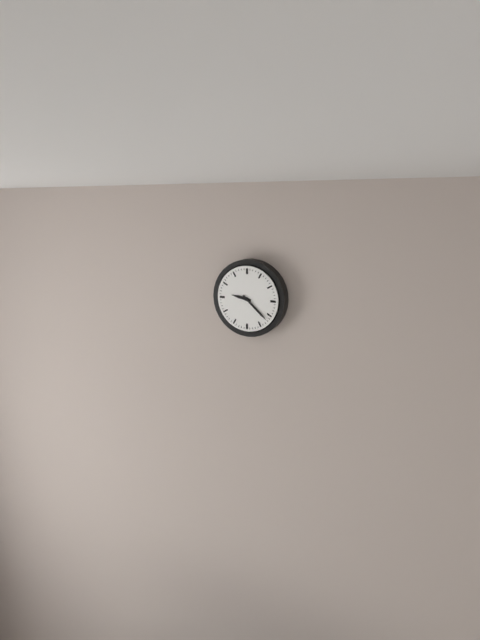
**9:22**
